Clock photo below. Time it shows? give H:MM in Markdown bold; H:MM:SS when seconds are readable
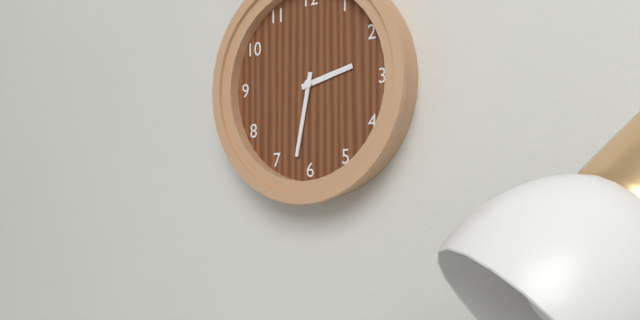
**2:32**
